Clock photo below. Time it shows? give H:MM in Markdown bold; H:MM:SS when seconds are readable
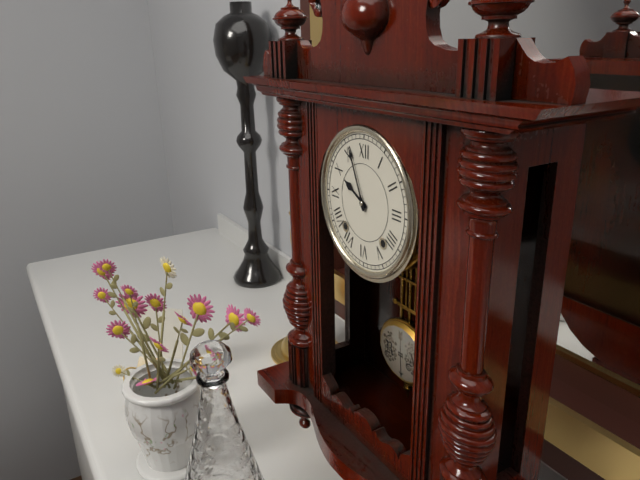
**9:56**
